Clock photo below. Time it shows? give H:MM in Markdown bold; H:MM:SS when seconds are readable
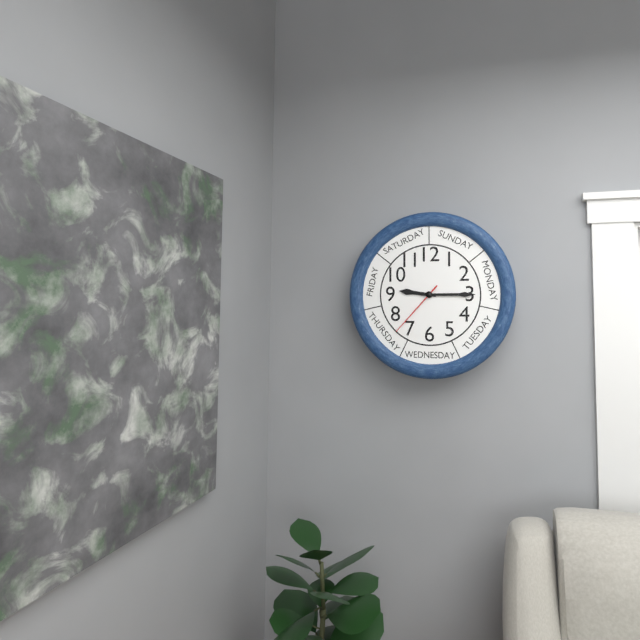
**9:15:37**
